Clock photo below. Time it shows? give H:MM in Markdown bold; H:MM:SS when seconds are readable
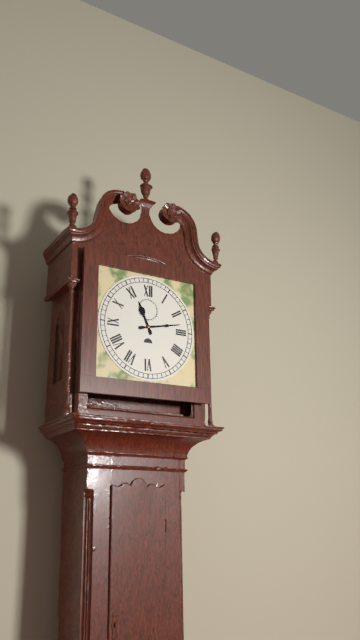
**11:13**
